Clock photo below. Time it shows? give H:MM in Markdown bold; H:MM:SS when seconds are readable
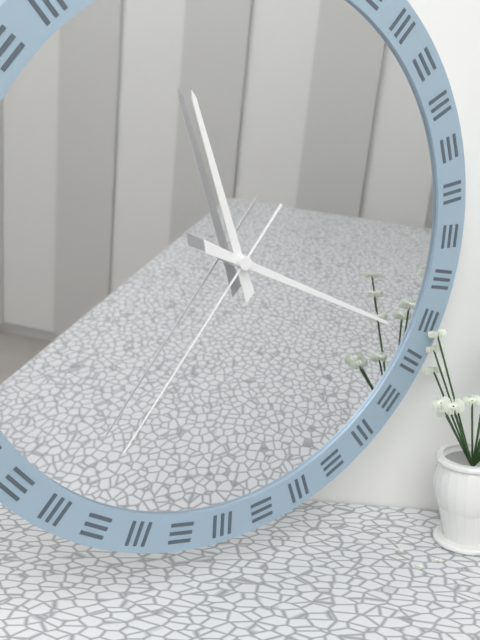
**11:19:36**
